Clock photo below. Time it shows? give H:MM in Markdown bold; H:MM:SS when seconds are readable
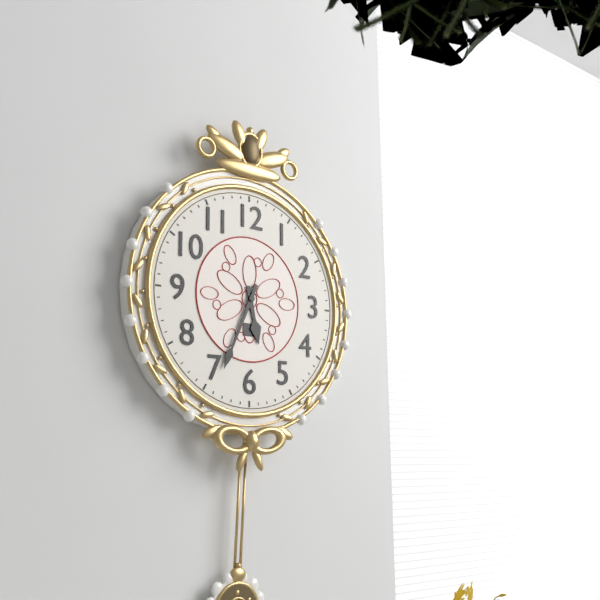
**5:34**
